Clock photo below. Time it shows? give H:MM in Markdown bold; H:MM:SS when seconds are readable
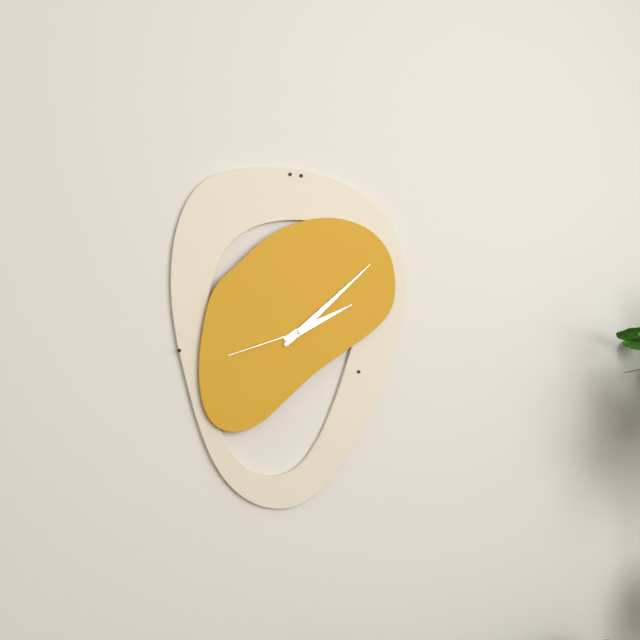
**2:08:42**
